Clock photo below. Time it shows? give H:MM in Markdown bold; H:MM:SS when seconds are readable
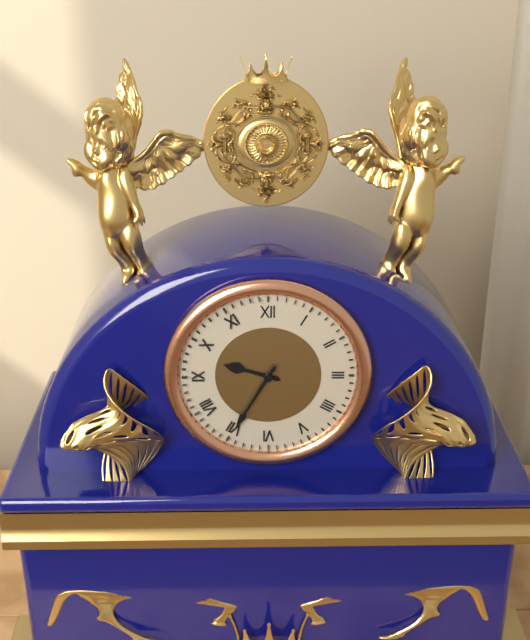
**9:35**
